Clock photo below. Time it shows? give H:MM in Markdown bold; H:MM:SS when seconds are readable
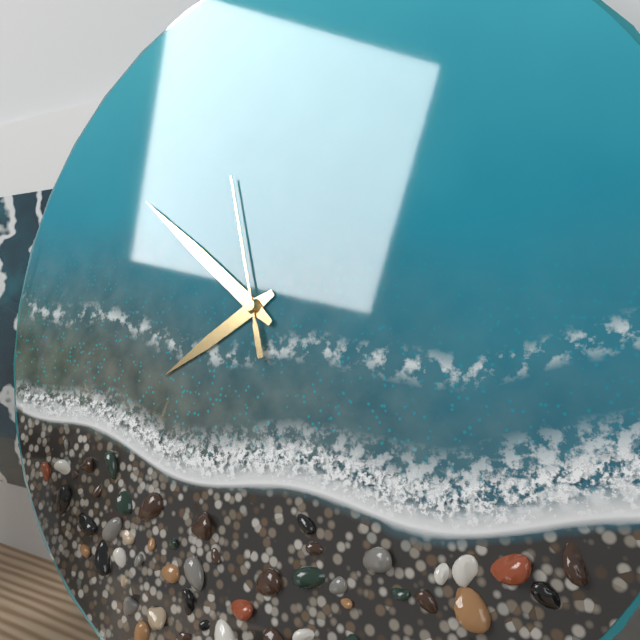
**7:51:57**
